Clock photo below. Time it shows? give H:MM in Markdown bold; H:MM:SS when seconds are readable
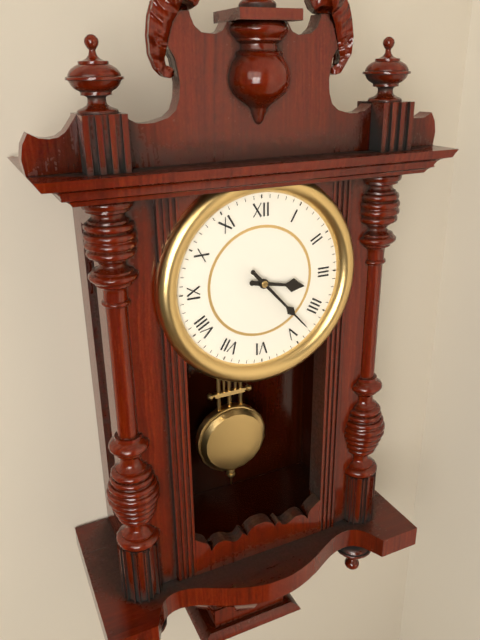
**3:23**
